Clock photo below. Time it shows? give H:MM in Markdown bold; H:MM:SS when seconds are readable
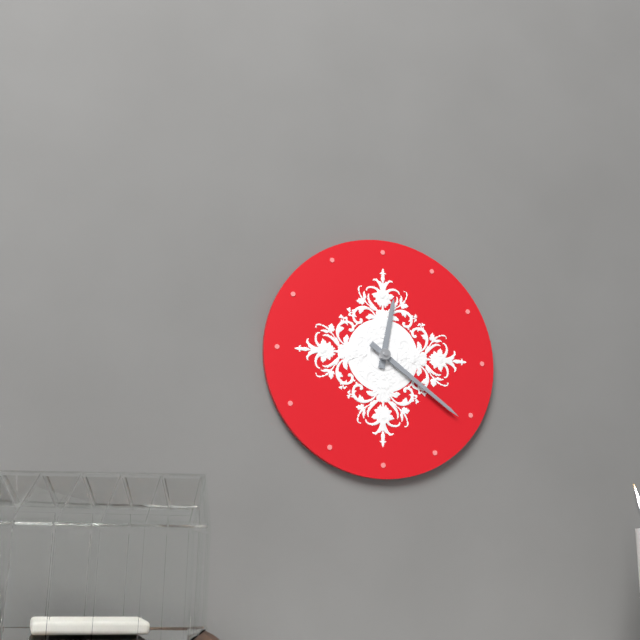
**12:21**
